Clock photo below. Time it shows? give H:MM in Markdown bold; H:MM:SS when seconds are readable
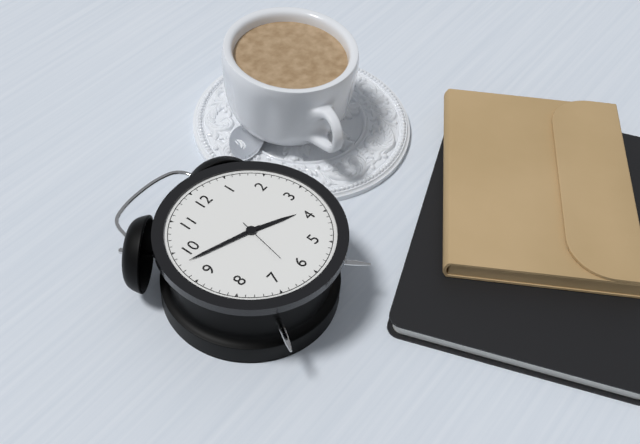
**3:48:32**
